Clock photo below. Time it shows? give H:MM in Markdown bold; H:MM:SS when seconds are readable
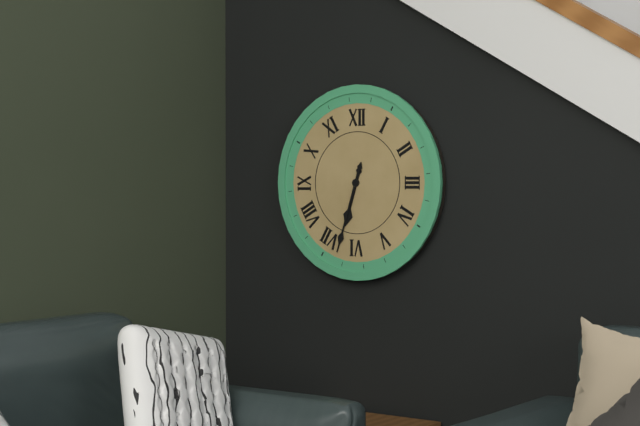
**6:33**
